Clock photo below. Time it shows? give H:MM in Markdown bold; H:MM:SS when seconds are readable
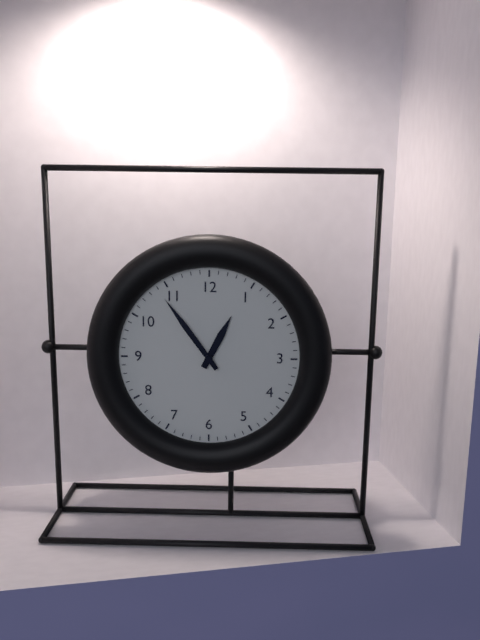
**12:54**
